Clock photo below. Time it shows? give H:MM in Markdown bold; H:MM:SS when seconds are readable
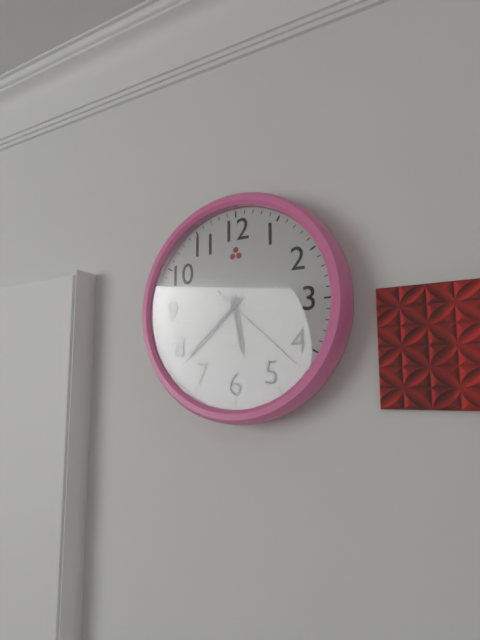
**5:38:22**
